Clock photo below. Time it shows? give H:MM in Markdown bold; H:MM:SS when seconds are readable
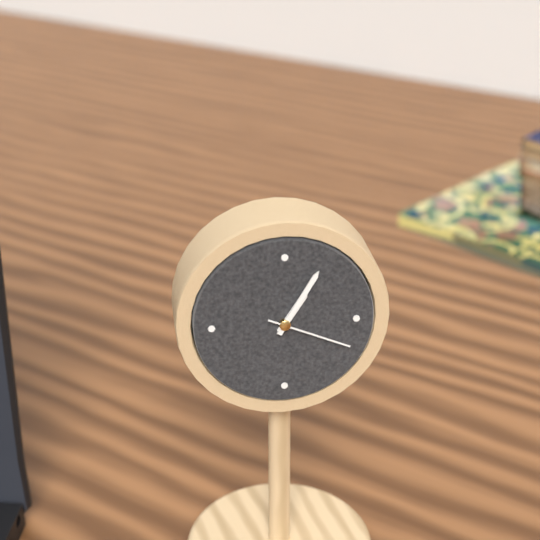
**1:05:19**
